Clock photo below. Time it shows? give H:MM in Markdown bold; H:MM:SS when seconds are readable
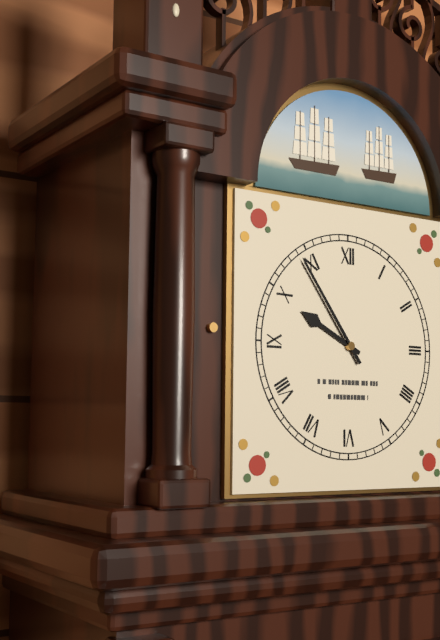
**9:54**
